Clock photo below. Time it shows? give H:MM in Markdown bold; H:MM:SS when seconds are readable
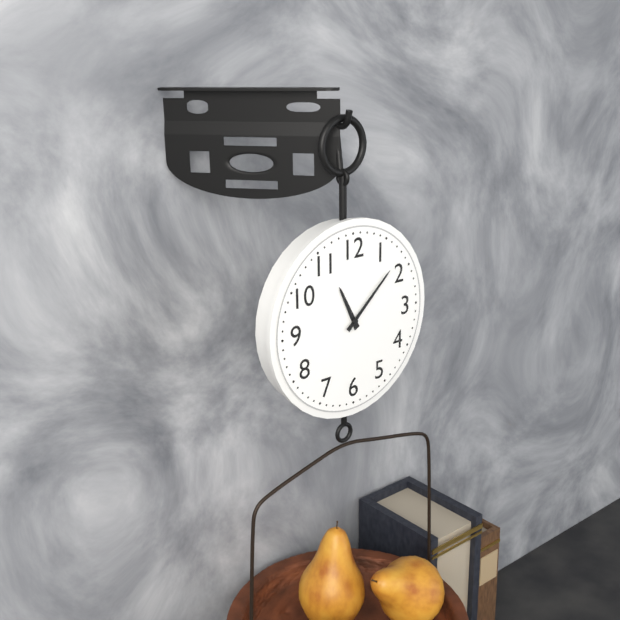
**11:08**
